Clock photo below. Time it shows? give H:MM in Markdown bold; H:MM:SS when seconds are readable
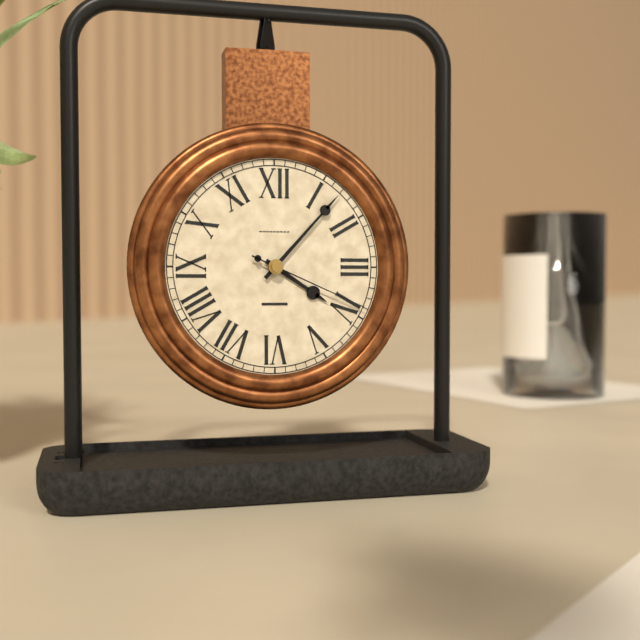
**4:07:19**
